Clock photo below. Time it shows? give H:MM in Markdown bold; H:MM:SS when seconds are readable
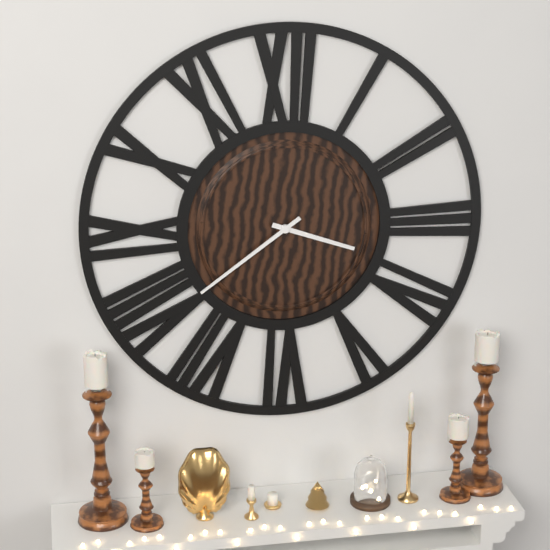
**3:39**
